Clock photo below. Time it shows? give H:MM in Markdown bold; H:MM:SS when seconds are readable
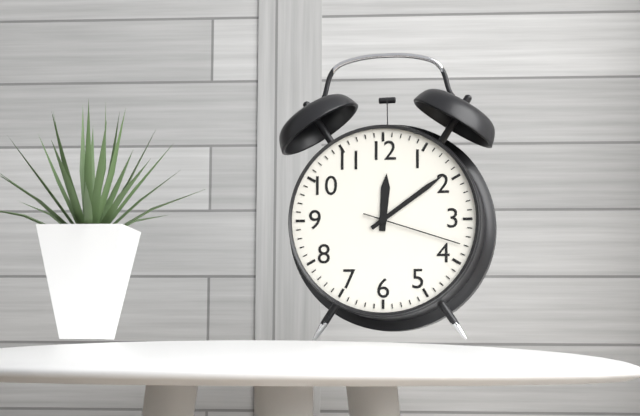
**12:09:18**
